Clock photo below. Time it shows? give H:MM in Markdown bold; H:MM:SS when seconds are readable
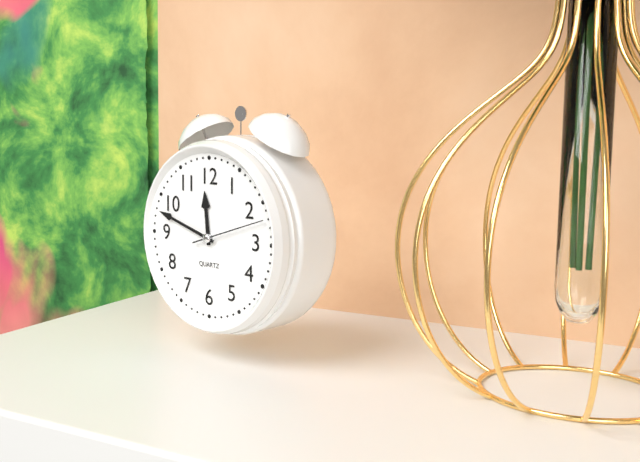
**11:48:12**
